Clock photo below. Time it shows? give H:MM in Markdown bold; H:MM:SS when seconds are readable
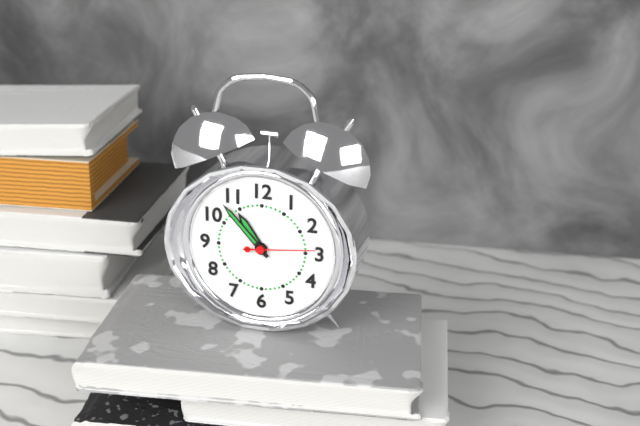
**10:53:14**
